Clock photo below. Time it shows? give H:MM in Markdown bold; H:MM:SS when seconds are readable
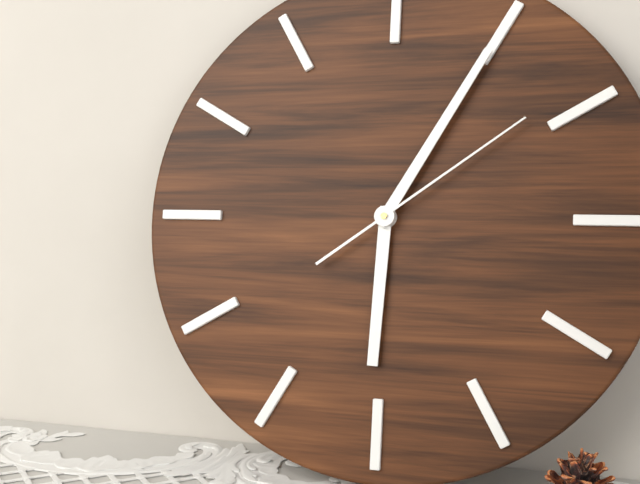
**6:05:09**
